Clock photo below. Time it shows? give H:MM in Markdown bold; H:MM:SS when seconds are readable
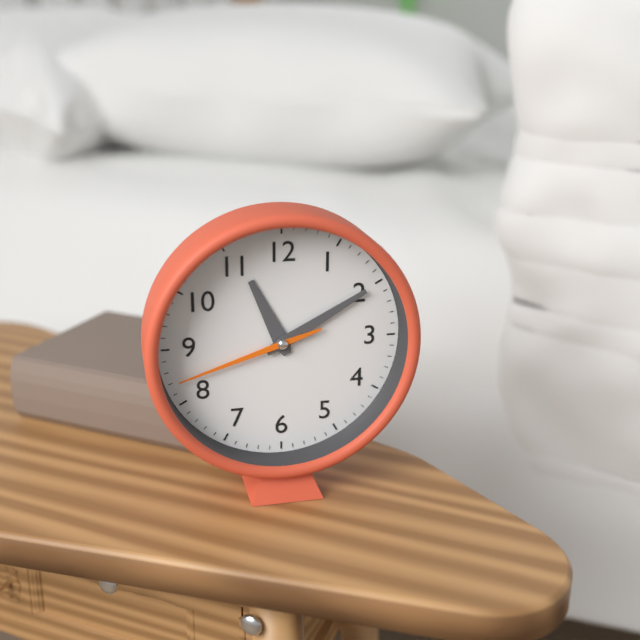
**11:10:42**
